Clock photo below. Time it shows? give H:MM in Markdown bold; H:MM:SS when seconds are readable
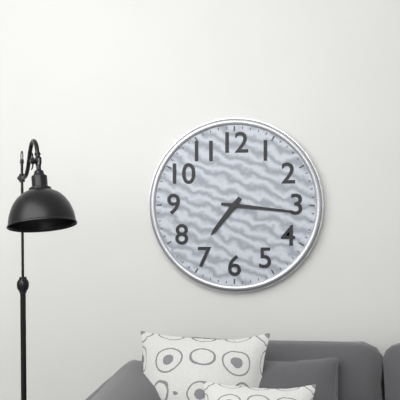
**7:16**
